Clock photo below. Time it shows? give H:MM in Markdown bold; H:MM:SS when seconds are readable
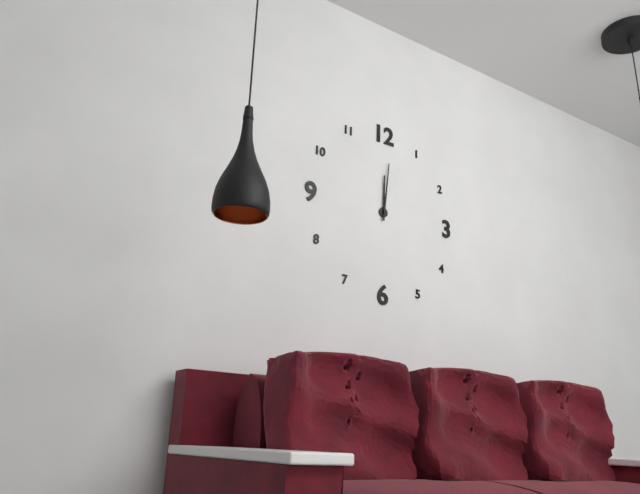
**12:01**
